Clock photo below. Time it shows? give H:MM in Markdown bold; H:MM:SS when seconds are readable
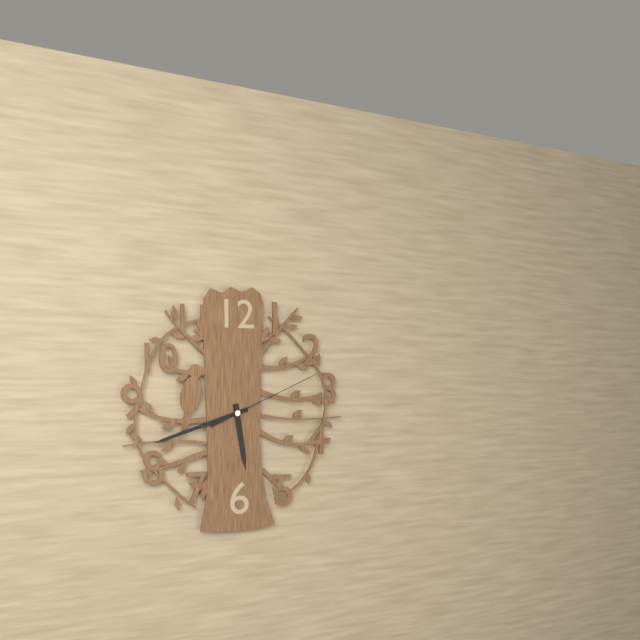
**5:42:11**
